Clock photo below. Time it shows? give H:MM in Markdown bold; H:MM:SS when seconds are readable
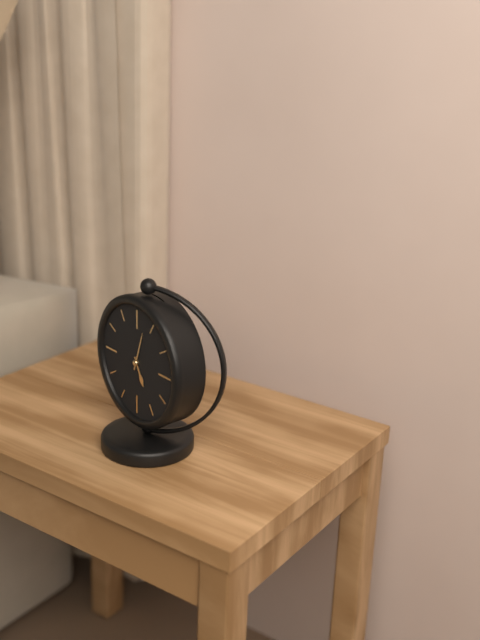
**5:03**
